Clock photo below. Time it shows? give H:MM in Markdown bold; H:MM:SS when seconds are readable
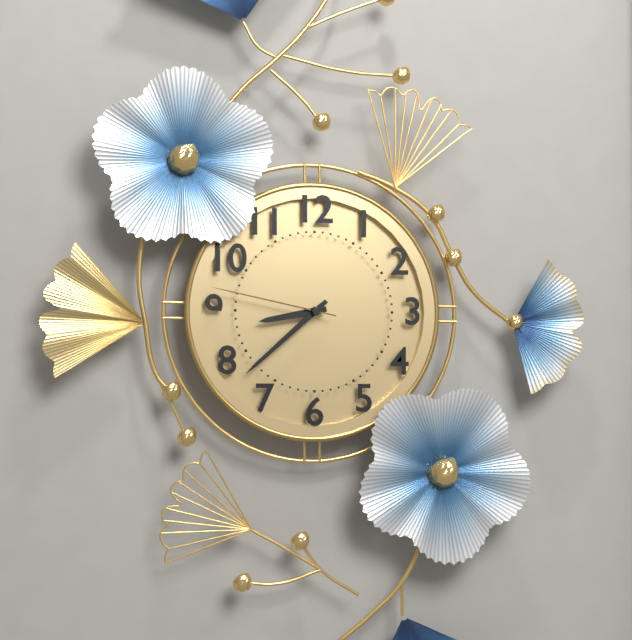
**8:38:47**
